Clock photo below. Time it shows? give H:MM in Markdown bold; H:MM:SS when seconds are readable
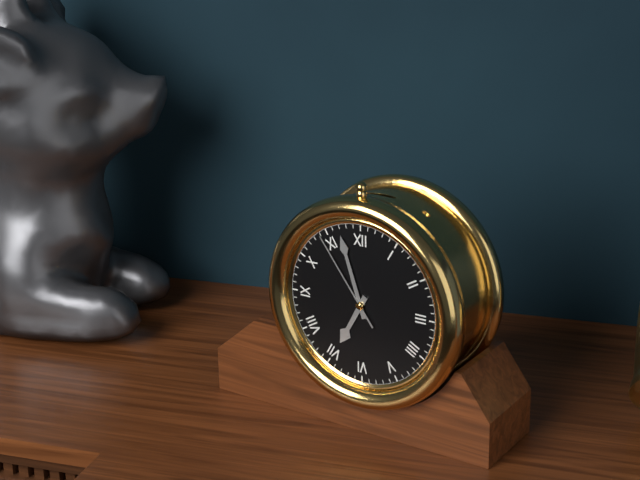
**6:57:54**
